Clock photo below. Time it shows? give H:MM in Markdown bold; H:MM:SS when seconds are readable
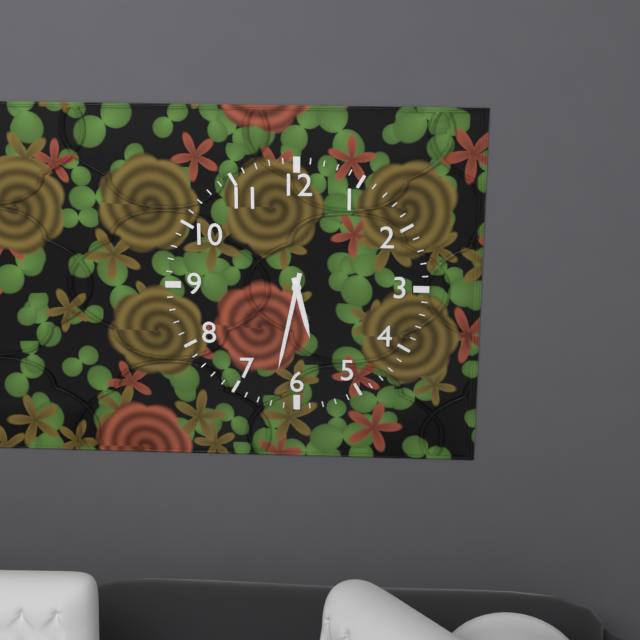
**5:32**
